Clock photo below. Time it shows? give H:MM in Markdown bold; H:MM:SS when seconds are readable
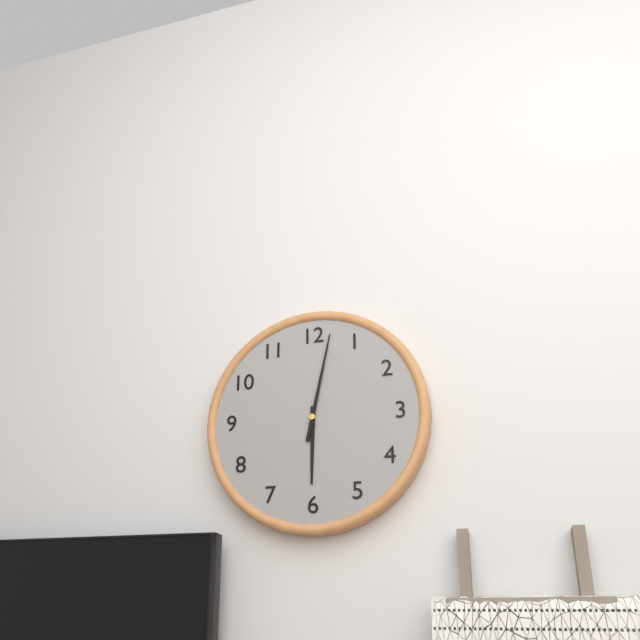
**6:02**
